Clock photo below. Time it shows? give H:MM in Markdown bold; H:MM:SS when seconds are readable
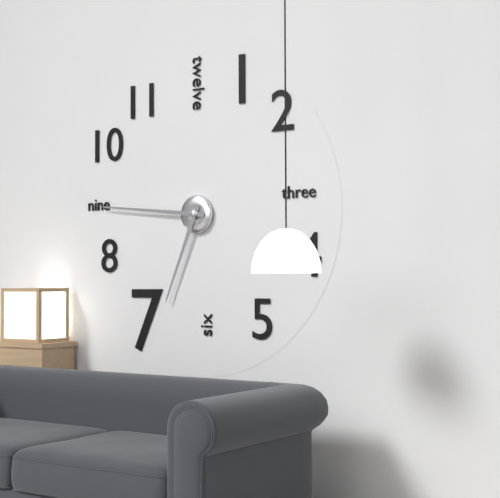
**6:46**
